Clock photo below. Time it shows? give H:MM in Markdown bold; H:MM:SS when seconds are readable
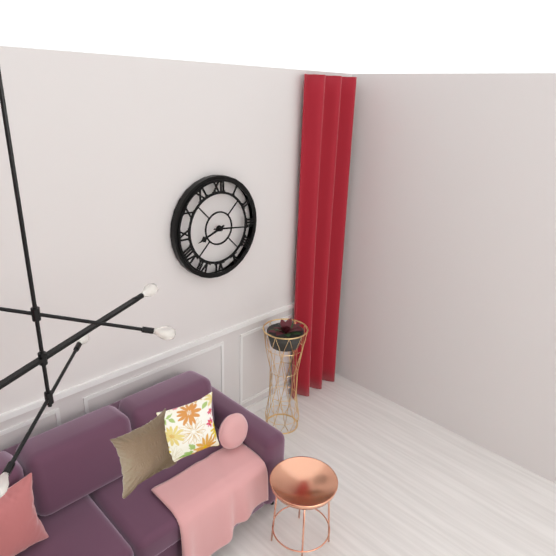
**8:16**
